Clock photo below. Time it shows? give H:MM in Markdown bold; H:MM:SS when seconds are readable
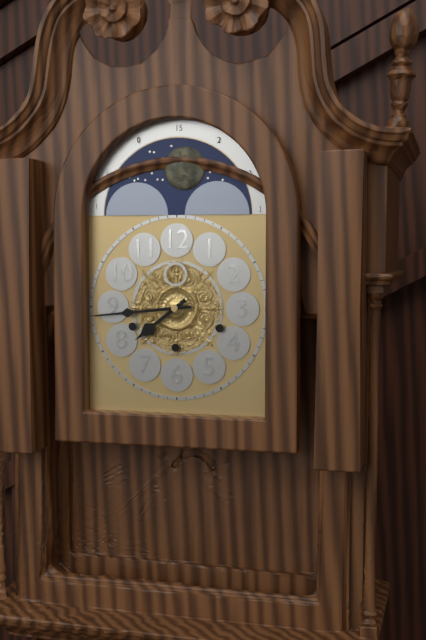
**7:44**
